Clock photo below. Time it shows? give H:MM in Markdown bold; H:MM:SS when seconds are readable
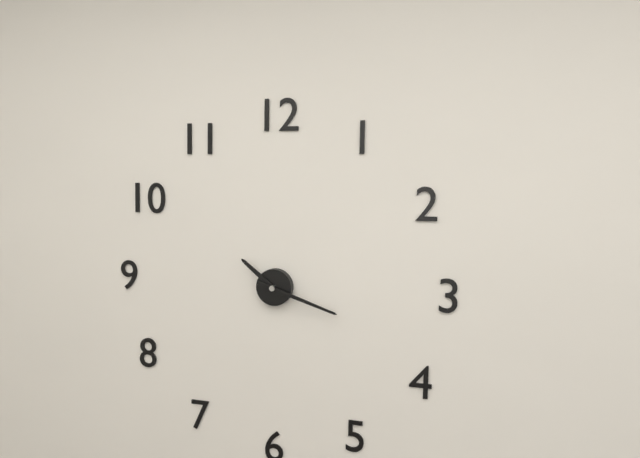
**10:18**
